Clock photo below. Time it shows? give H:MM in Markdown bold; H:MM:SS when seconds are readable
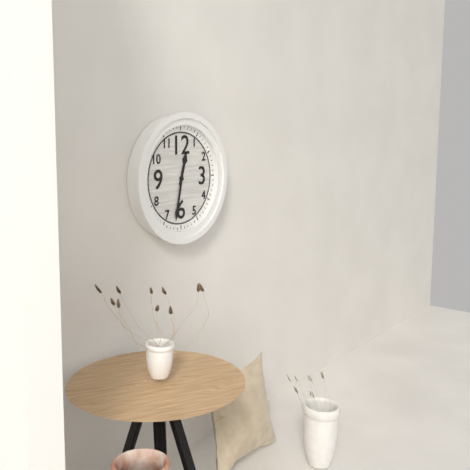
**12:32**
